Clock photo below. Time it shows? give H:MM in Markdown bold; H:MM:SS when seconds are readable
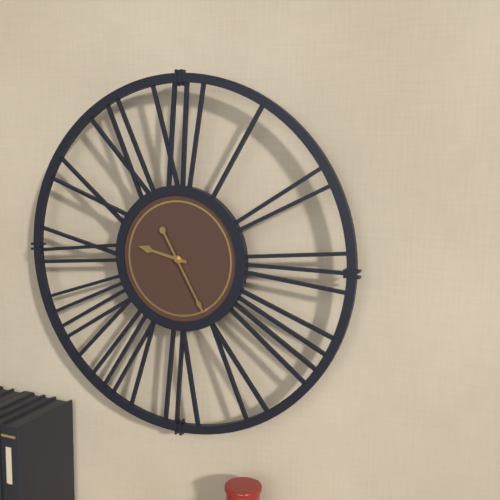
**9:25**
